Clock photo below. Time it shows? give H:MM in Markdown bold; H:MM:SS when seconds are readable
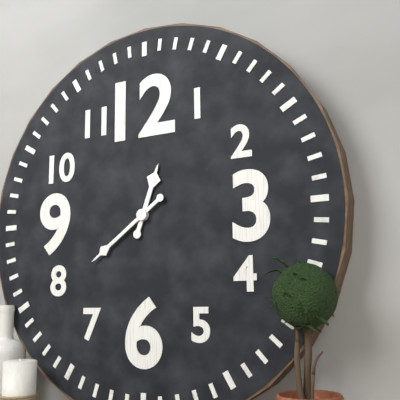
**12:39**
